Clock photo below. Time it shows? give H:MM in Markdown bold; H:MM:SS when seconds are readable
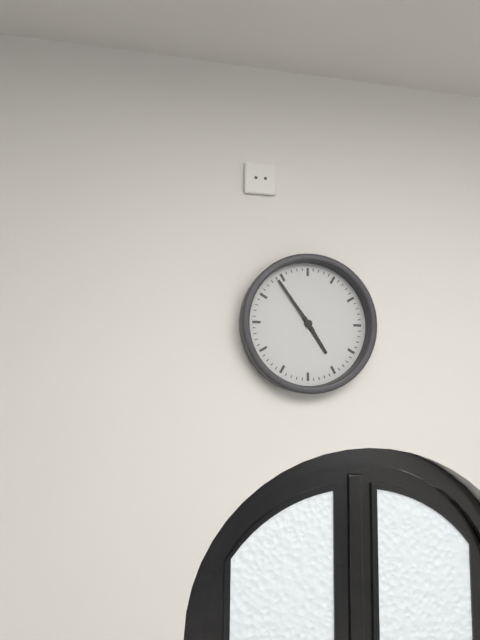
**4:54**
